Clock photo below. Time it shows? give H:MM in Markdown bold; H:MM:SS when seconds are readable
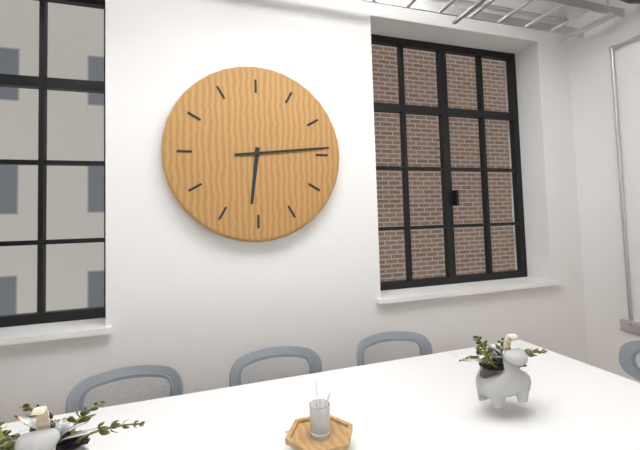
**6:14**
